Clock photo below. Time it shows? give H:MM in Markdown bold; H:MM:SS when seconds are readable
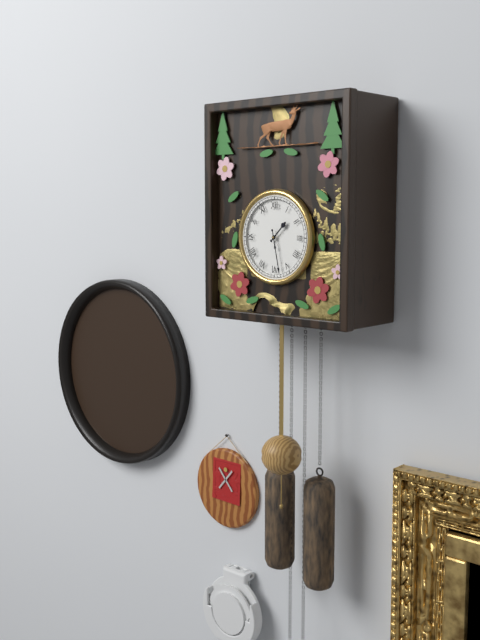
**1:28**
